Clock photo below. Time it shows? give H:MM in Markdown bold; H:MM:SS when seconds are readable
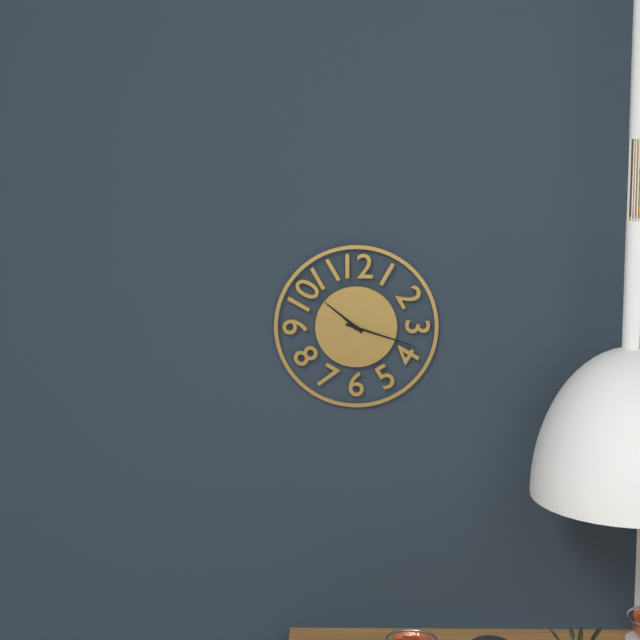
**10:18**
